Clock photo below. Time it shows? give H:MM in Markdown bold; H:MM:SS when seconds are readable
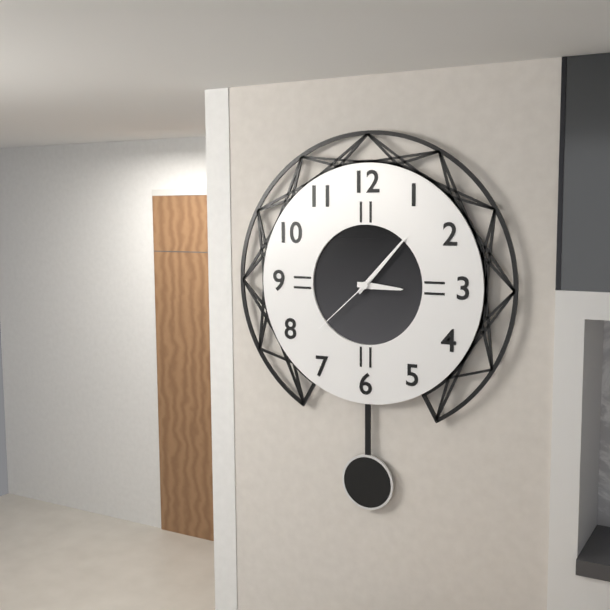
**3:07:38**
